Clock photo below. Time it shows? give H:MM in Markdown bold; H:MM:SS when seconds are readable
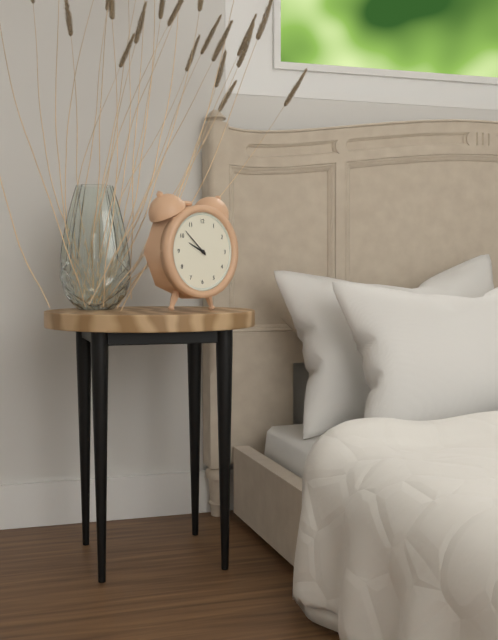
**9:52**
